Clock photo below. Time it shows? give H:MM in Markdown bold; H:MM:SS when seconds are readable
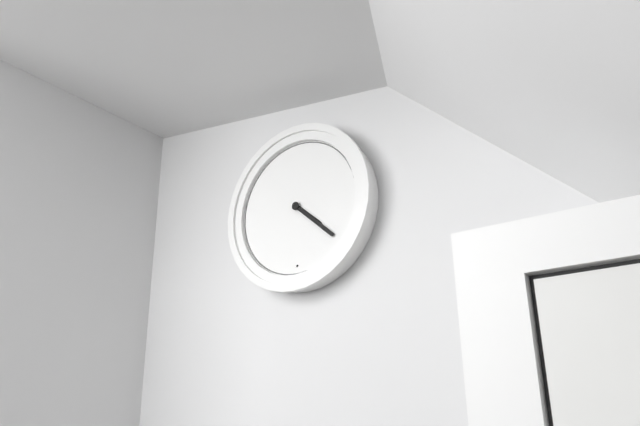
**4:22**
